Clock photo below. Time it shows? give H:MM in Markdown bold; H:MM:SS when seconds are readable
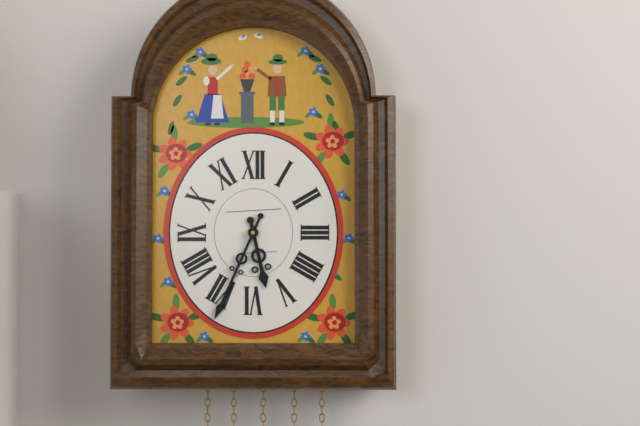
**5:34**
